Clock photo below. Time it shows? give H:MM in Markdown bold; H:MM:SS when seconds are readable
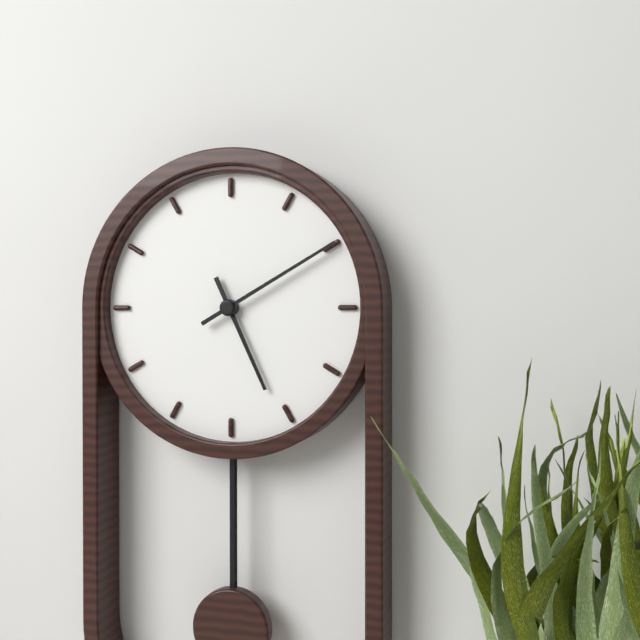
**5:10**
